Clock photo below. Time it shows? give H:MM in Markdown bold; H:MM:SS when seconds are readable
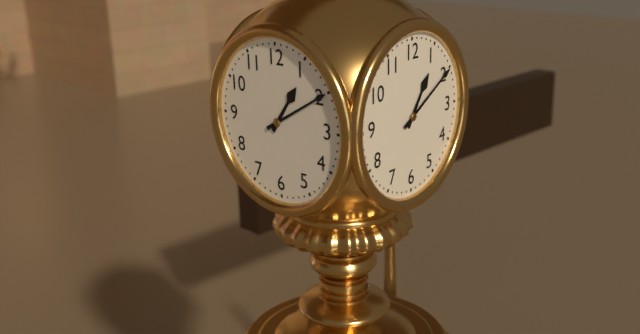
**1:10**
